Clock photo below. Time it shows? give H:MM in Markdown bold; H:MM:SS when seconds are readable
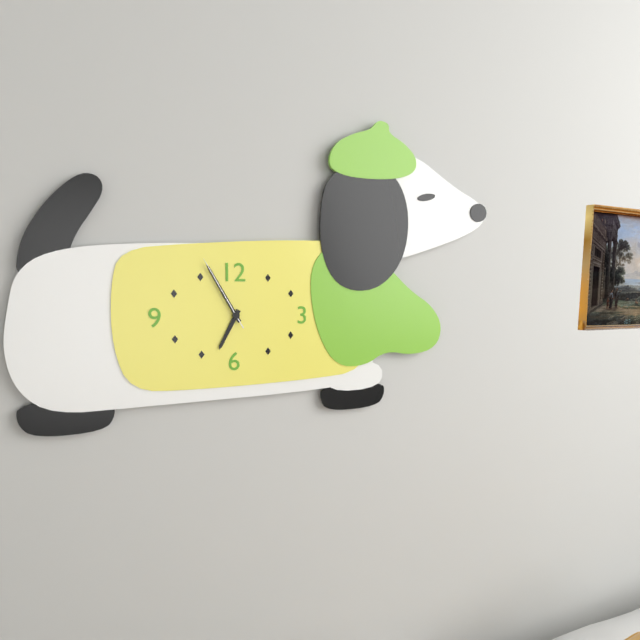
**6:55:55**
